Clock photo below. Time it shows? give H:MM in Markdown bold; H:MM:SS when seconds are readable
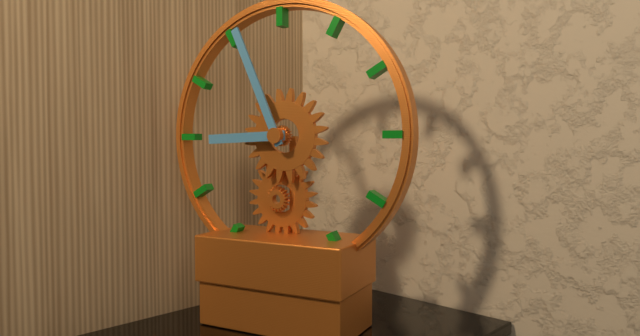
**8:56**
